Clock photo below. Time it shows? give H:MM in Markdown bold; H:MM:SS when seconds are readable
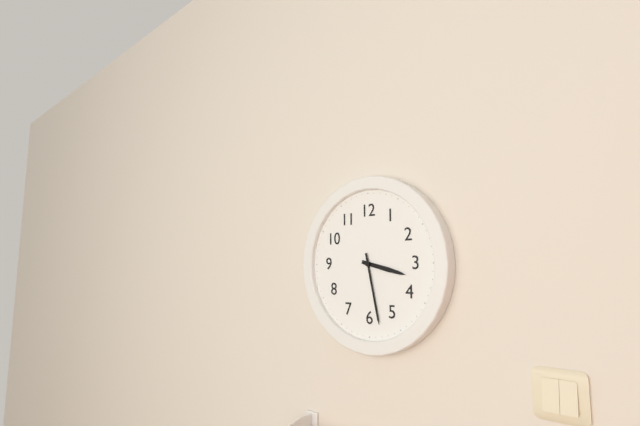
**3:28**
